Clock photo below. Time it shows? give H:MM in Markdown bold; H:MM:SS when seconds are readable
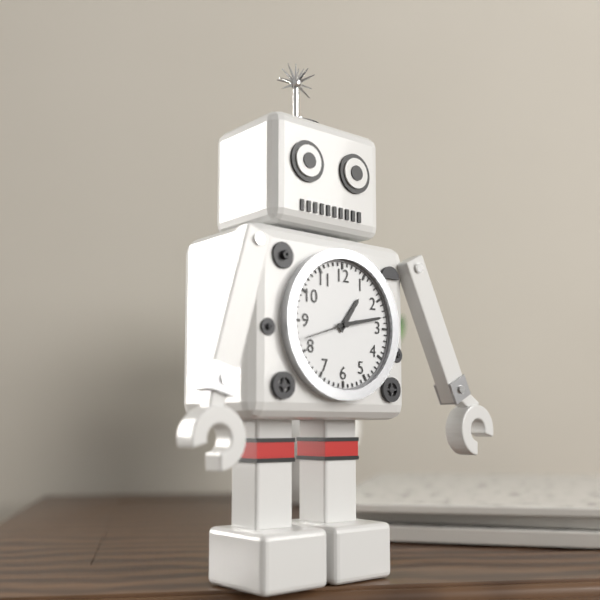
**1:13**
